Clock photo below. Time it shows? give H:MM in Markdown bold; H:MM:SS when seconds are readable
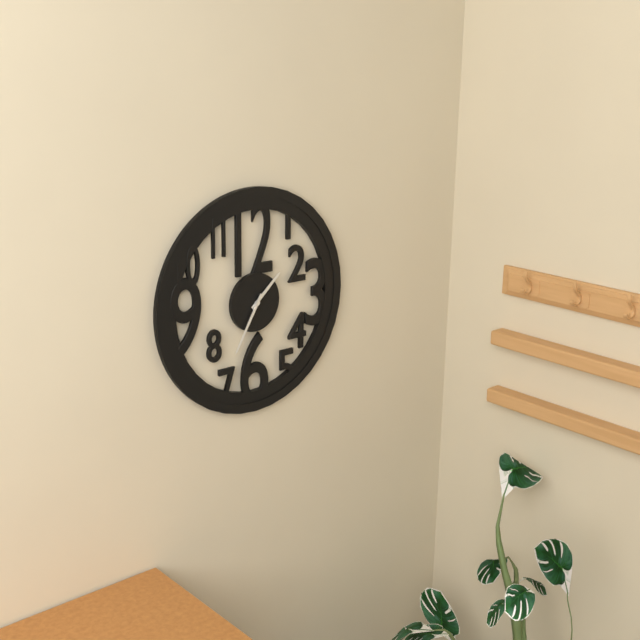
**1:35**
